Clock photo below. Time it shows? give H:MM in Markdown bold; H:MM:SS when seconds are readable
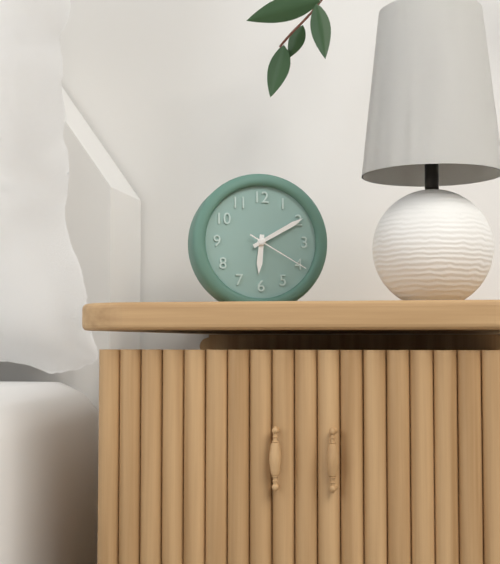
**6:10:20**
